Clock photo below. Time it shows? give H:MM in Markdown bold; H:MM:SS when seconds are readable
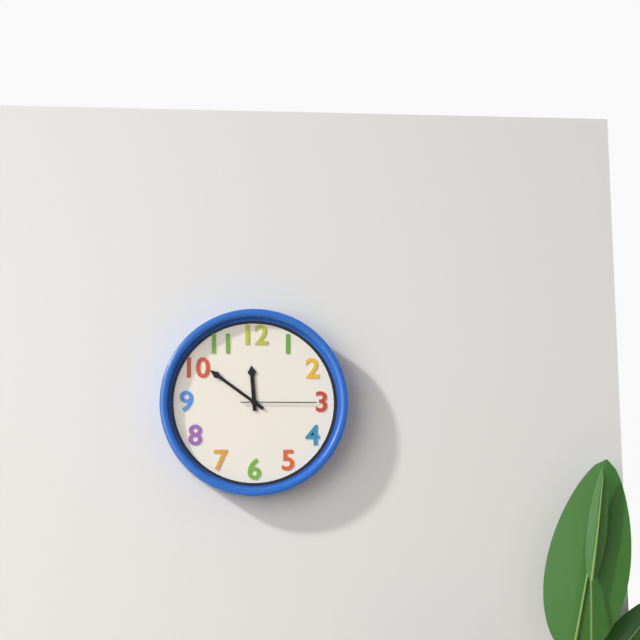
**11:51:15**
